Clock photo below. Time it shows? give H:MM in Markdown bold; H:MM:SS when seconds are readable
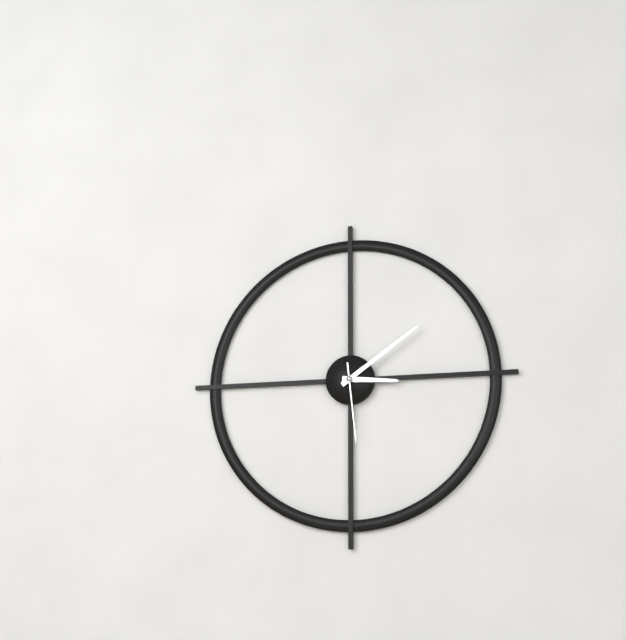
**3:09:29**
